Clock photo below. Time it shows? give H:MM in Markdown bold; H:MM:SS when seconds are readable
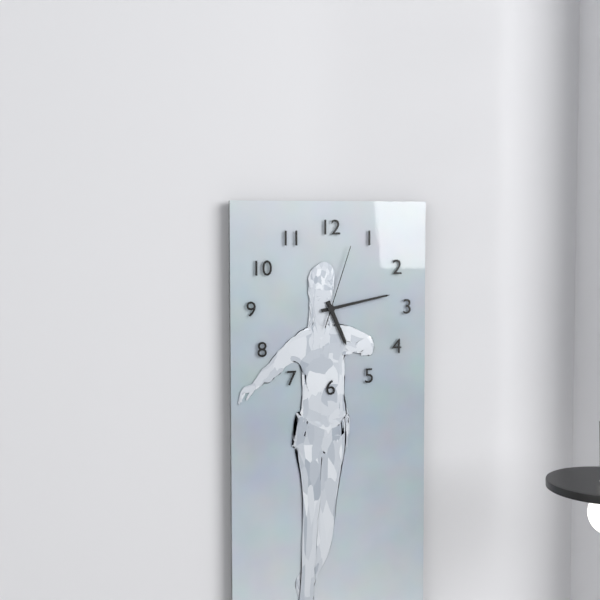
**5:13:03**
